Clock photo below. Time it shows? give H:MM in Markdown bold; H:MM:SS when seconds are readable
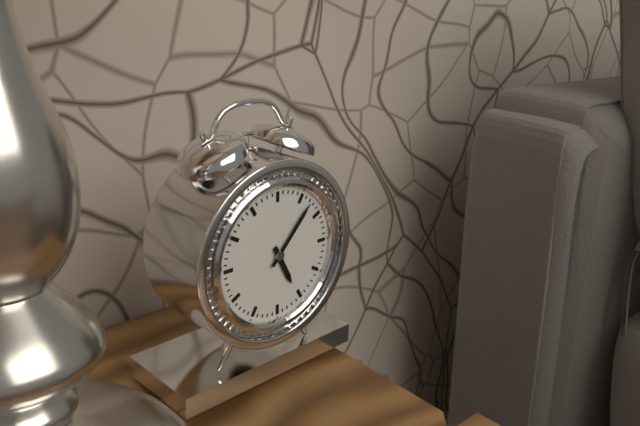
**5:07**
